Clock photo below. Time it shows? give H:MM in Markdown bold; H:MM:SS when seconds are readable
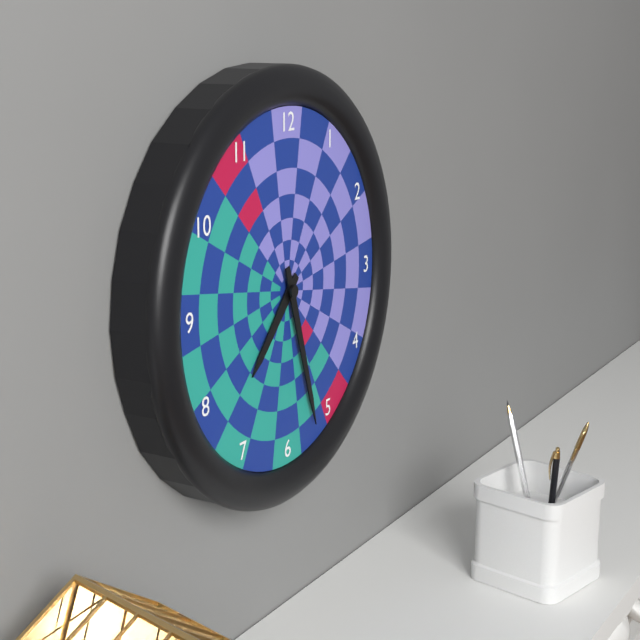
**7:27**
